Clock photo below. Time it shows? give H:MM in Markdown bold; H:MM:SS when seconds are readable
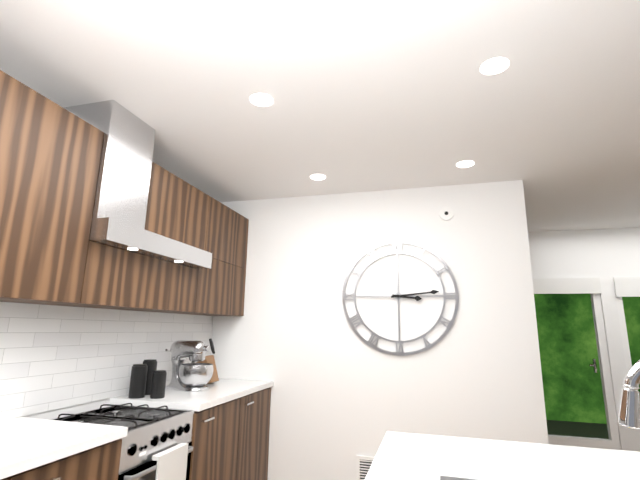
**3:14**
